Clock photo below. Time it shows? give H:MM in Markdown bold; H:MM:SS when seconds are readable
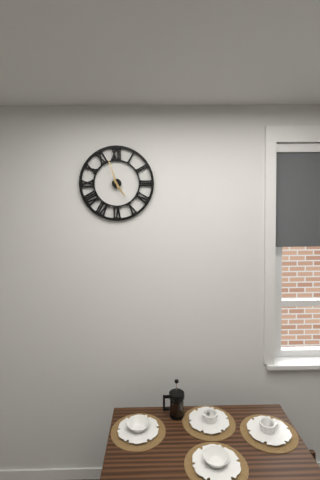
**4:57**
